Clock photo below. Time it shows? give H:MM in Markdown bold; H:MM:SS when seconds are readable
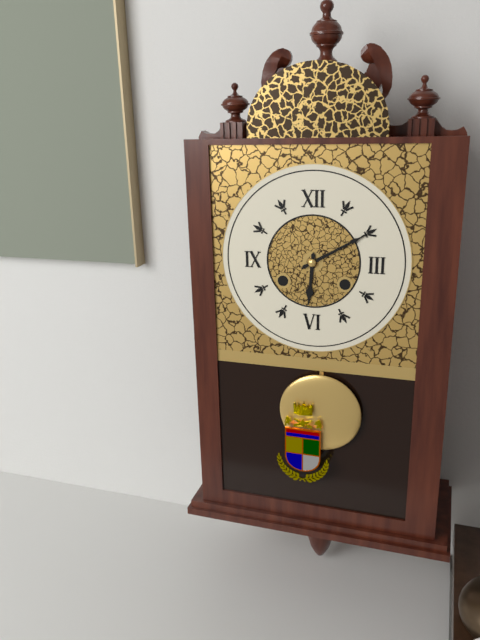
**6:10**
